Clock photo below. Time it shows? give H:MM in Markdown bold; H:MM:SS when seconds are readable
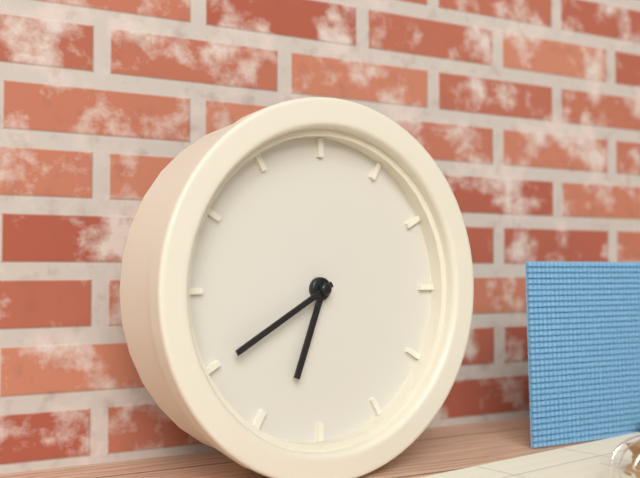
**6:40**
